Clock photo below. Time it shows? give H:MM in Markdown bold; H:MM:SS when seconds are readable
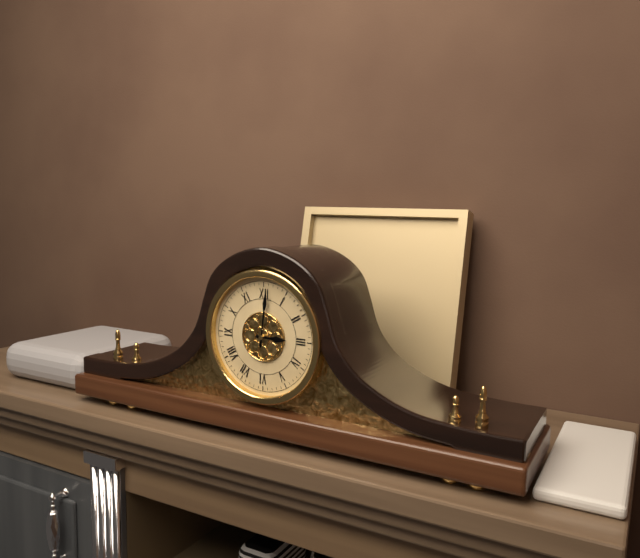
**3:01**
